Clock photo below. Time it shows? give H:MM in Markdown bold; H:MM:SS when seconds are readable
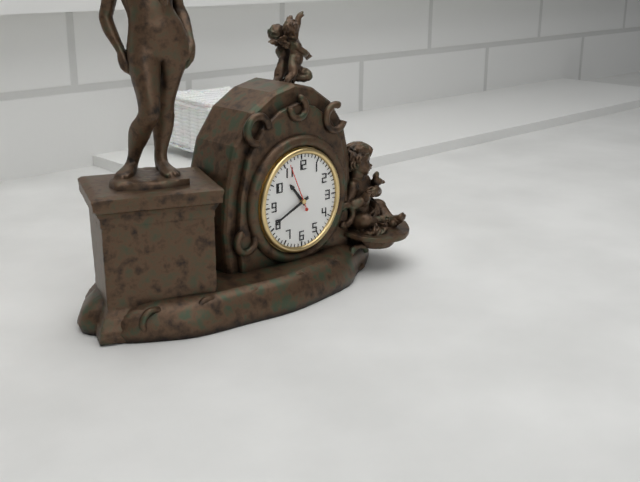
**10:41**
